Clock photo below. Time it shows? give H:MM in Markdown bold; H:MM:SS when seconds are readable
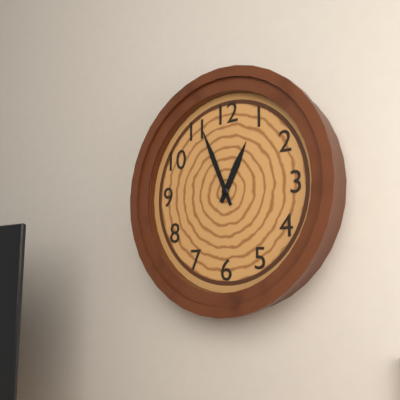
**12:56**
